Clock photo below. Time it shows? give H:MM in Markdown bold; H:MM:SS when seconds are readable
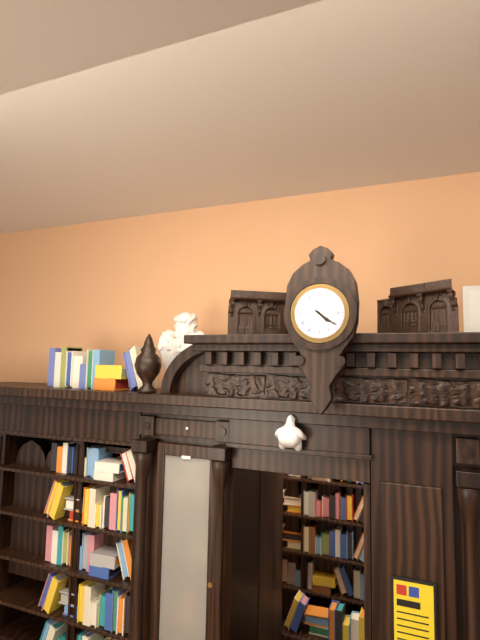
**4:21**
